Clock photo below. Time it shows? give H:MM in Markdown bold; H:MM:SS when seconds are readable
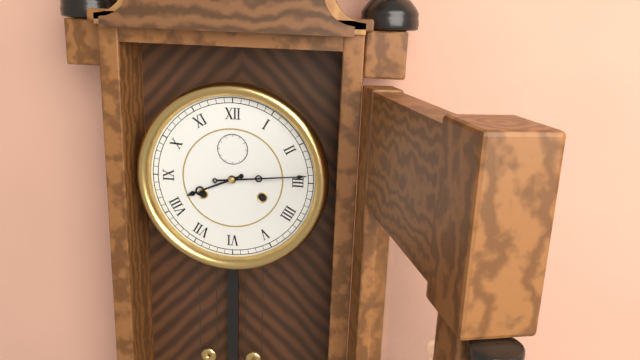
**8:14**
